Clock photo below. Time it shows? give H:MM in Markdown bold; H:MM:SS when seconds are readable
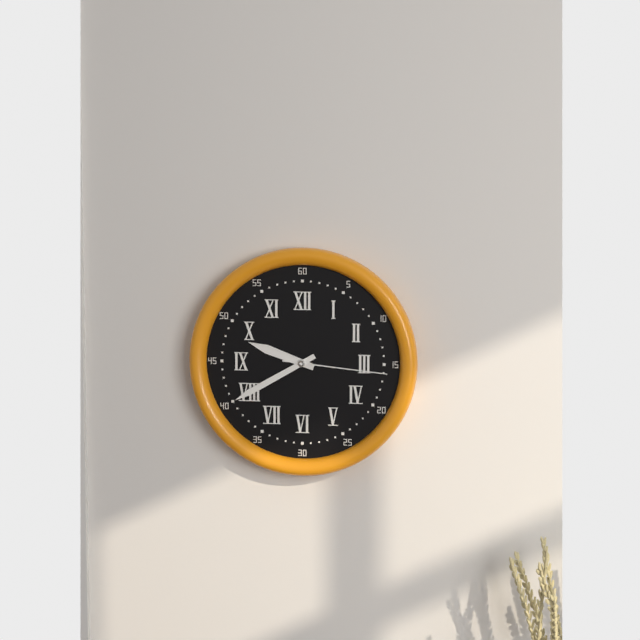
**9:40:16**
